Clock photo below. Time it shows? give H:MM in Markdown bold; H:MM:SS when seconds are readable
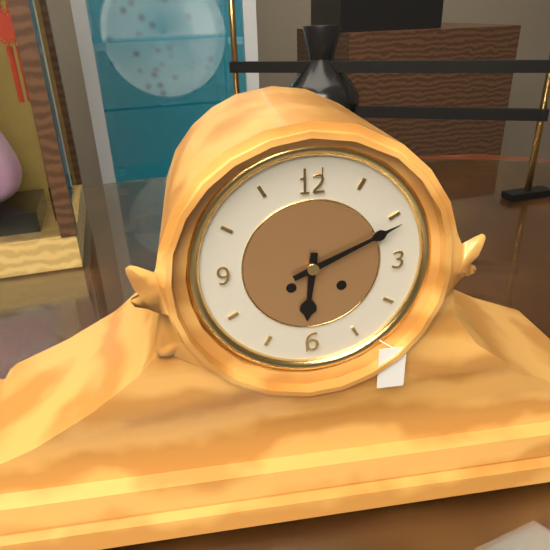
**6:11**
